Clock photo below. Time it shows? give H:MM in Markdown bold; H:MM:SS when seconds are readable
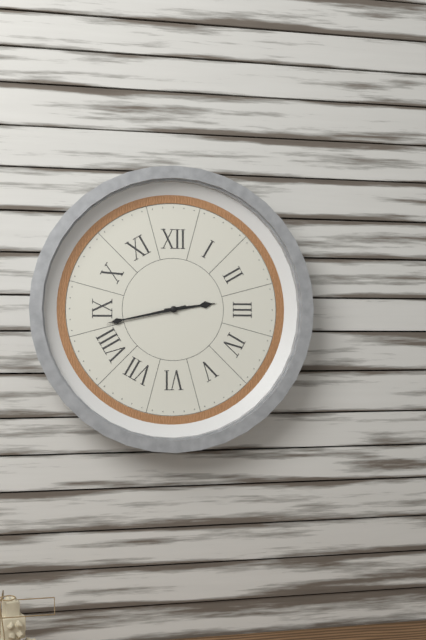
**2:43**
